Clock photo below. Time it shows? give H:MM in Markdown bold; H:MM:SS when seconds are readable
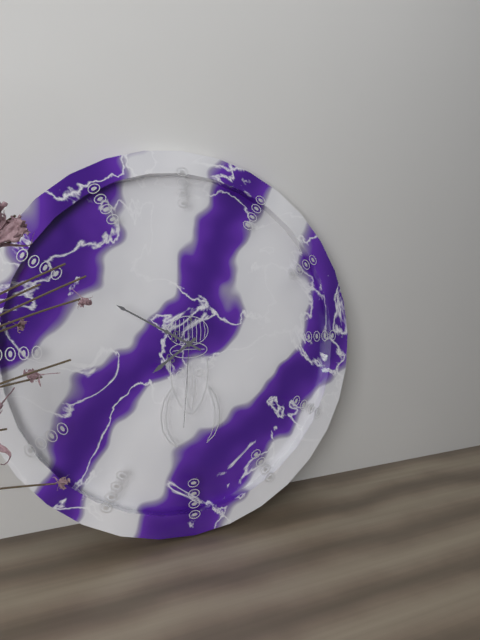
**7:50:31**
